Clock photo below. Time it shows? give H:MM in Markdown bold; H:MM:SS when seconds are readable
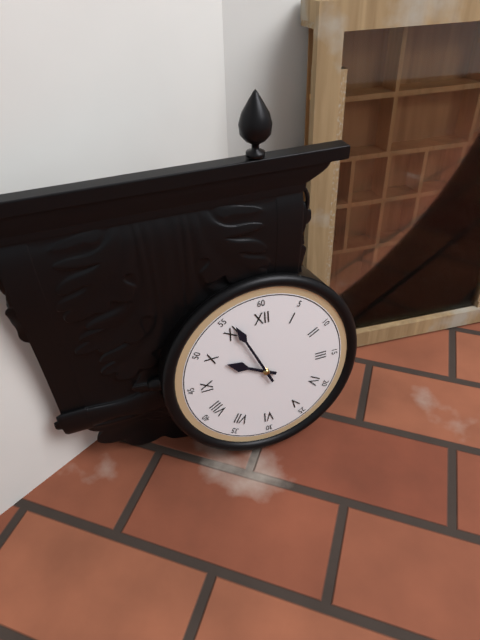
**9:56**
